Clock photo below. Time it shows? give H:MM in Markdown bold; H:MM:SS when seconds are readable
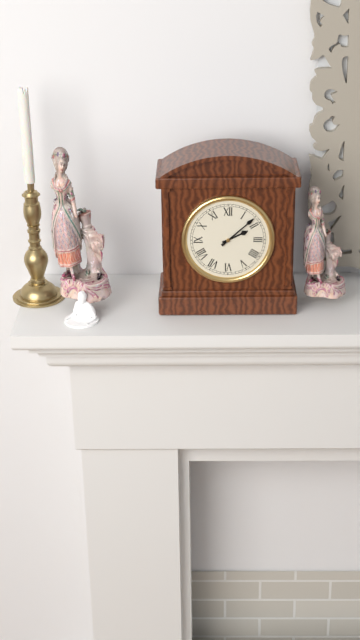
**2:08**
